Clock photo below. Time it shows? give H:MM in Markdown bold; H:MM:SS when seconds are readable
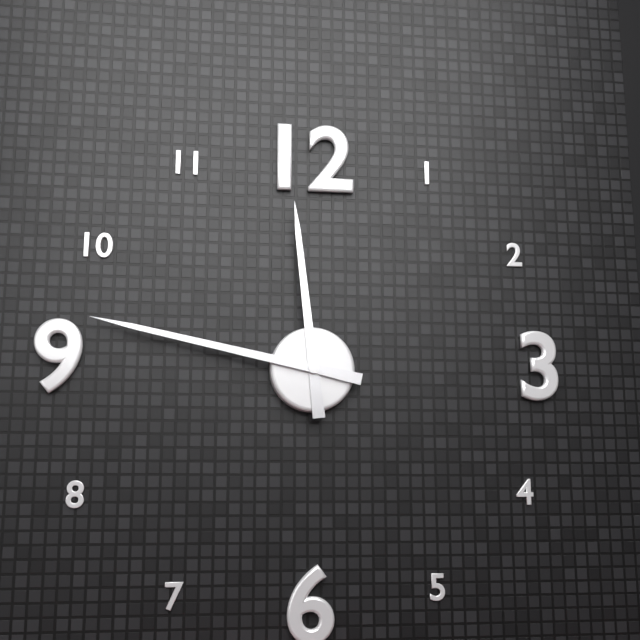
**11:47**
